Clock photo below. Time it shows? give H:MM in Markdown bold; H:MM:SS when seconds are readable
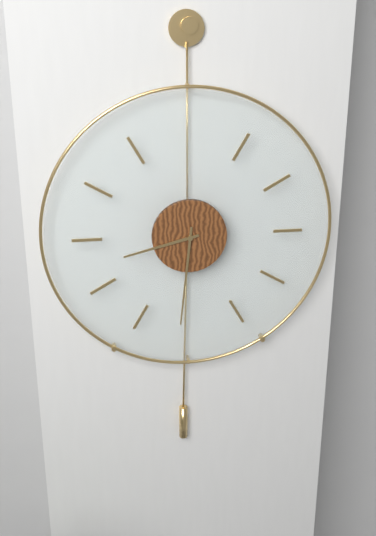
**8:31**
